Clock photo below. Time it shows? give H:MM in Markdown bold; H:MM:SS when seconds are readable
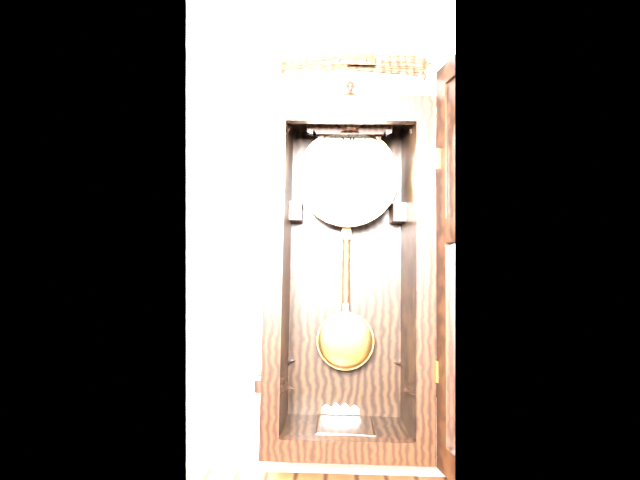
**2:50**
